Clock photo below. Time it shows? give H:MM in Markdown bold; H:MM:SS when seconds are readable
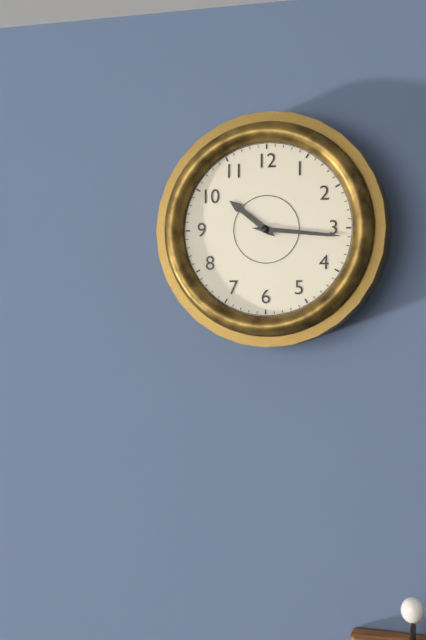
**10:16**
